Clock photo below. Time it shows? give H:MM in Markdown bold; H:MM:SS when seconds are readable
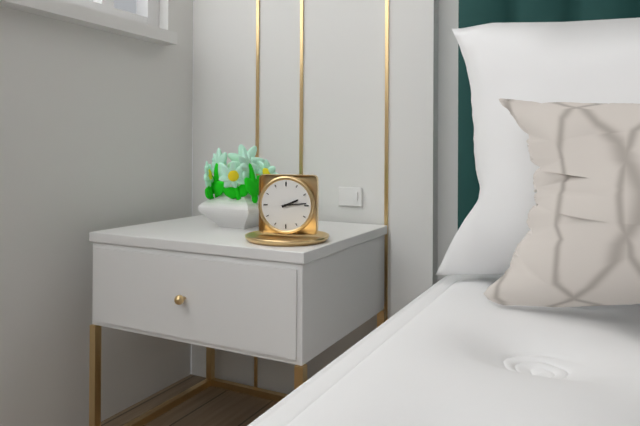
**2:14**
